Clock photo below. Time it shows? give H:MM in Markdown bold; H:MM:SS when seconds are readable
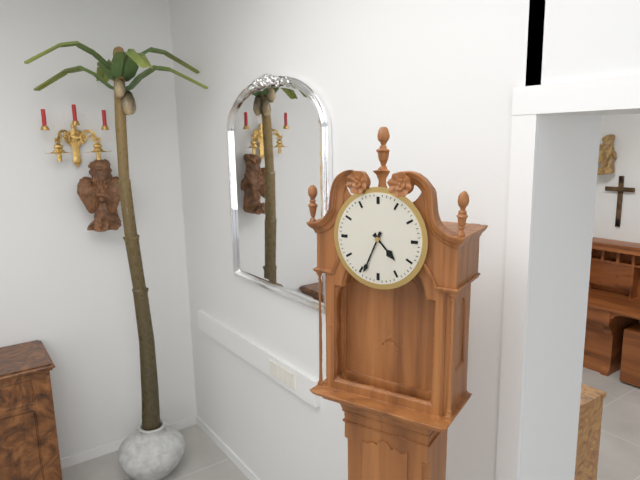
**4:34**
